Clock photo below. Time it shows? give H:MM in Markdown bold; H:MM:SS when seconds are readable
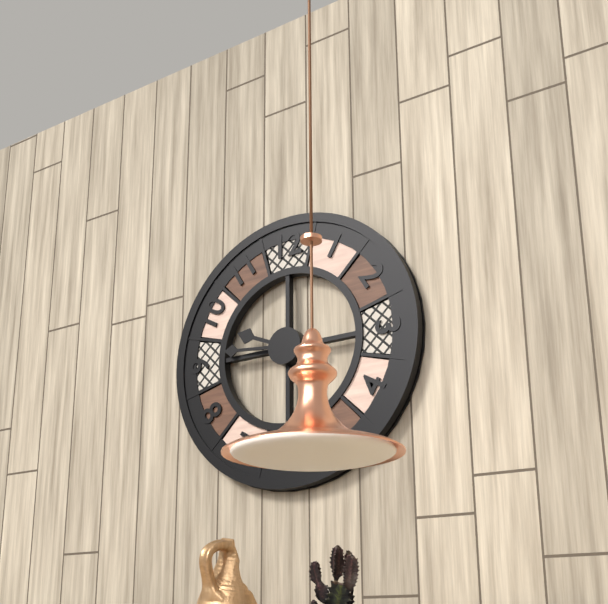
**9:46**
